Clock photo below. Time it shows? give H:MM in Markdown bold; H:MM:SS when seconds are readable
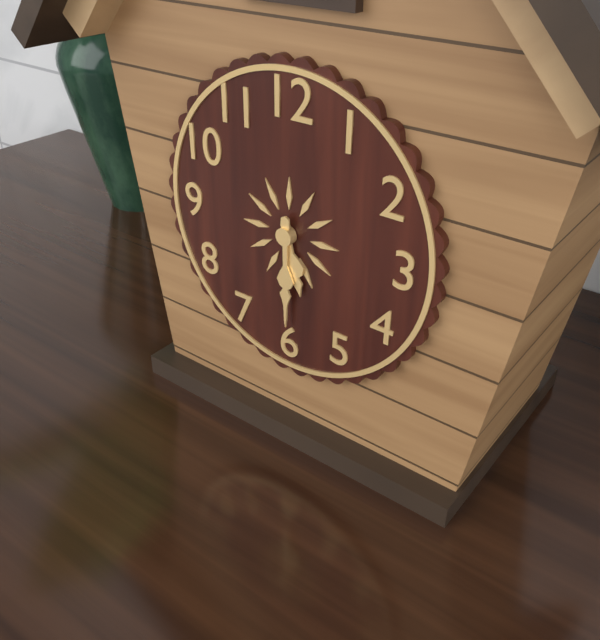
**5:30**
